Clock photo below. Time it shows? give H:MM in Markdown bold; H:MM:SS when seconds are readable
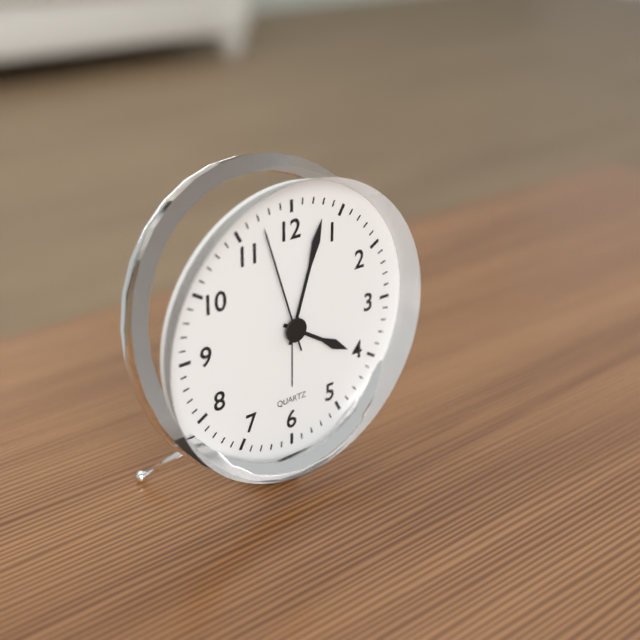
**4:03:57**
